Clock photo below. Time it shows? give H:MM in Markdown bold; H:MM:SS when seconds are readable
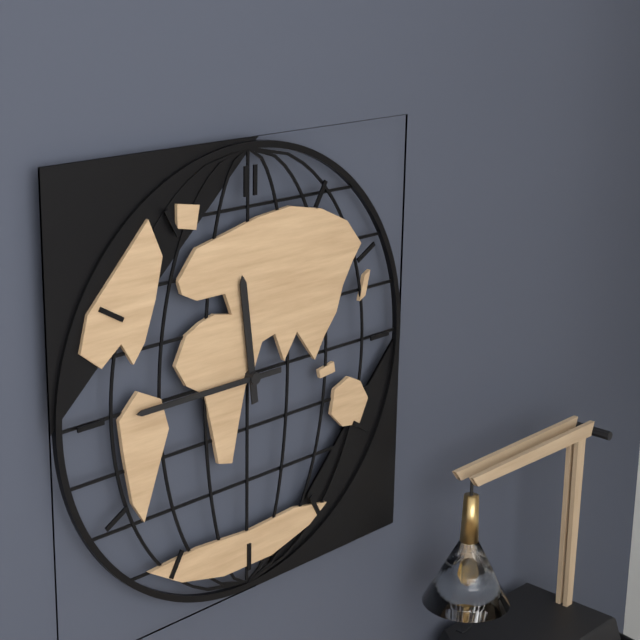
**11:45**
